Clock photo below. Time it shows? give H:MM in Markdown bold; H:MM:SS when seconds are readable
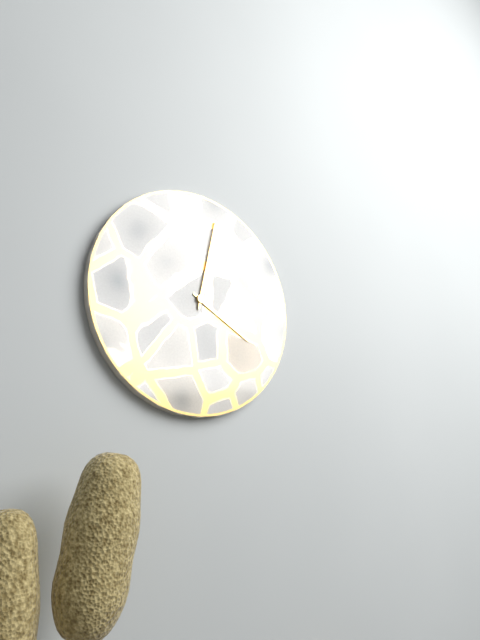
**4:02**
